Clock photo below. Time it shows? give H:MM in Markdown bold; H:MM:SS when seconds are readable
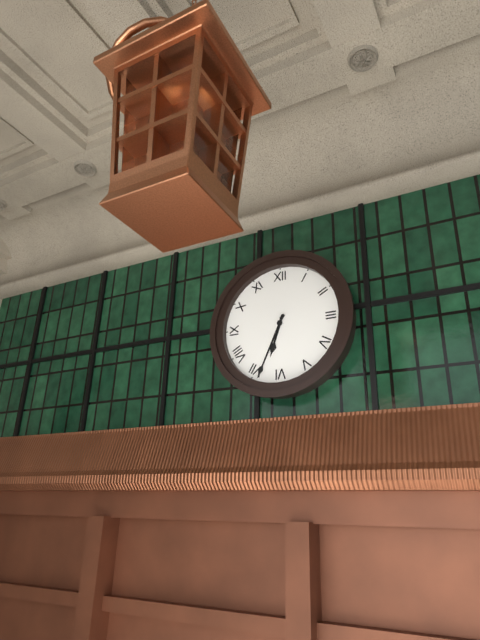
**6:34**
